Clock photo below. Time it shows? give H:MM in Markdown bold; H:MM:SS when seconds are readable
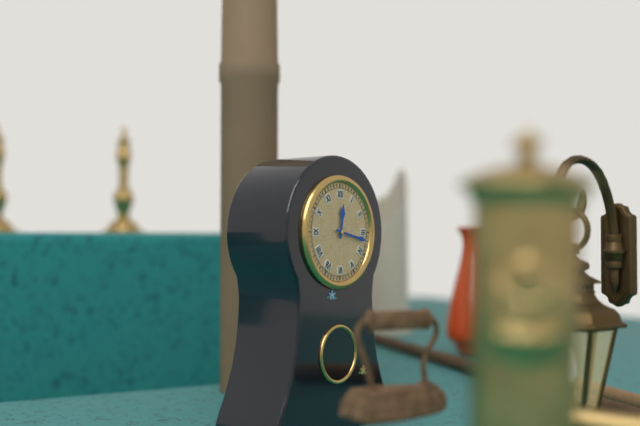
**12:17**
